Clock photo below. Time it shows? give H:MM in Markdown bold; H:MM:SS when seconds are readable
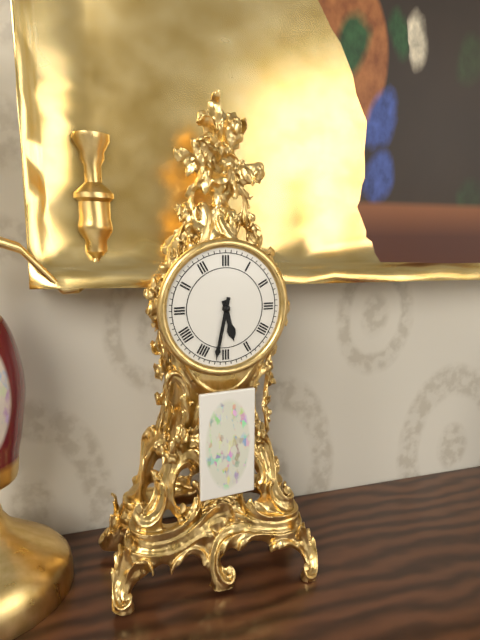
**5:32**
